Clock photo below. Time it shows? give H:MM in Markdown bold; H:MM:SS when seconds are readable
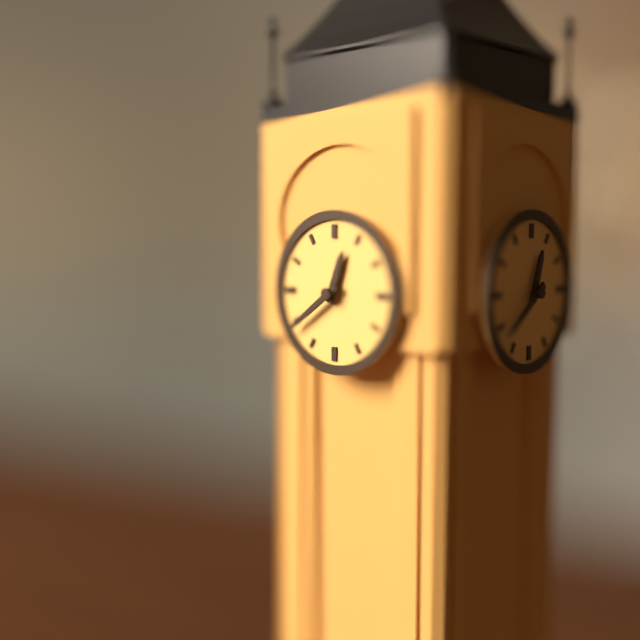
**12:39**
